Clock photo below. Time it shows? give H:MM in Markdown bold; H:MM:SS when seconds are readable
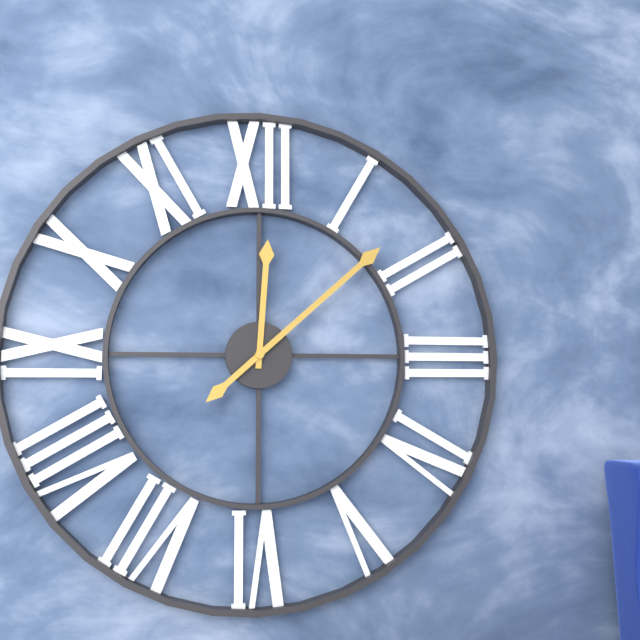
**12:08**
